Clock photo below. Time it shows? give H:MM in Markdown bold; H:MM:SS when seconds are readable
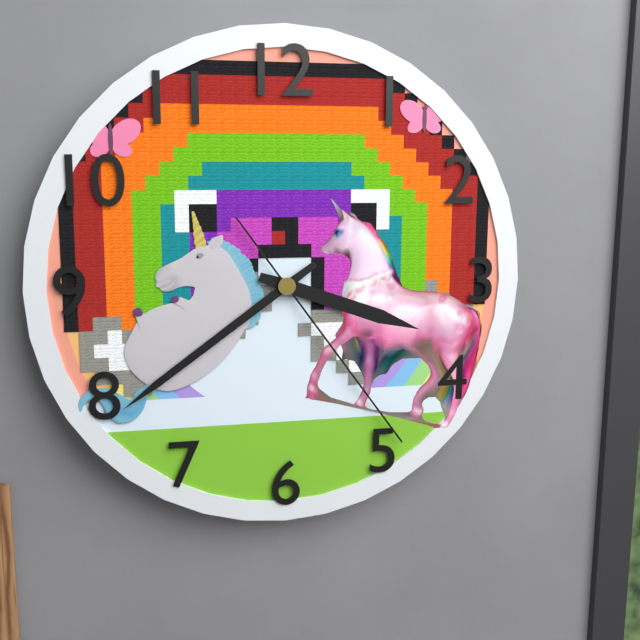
**3:39:24**
